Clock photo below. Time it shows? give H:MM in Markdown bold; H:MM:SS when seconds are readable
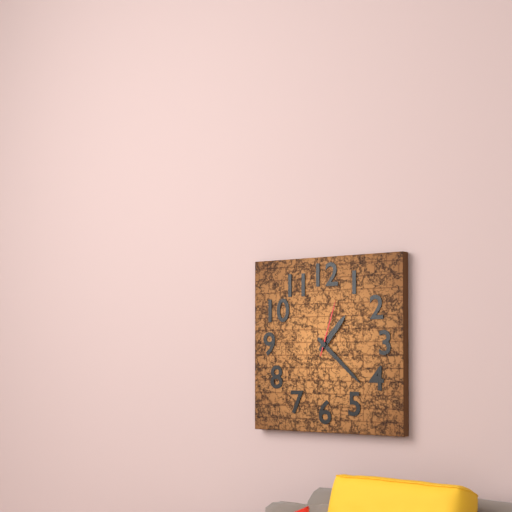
**1:22:03**
